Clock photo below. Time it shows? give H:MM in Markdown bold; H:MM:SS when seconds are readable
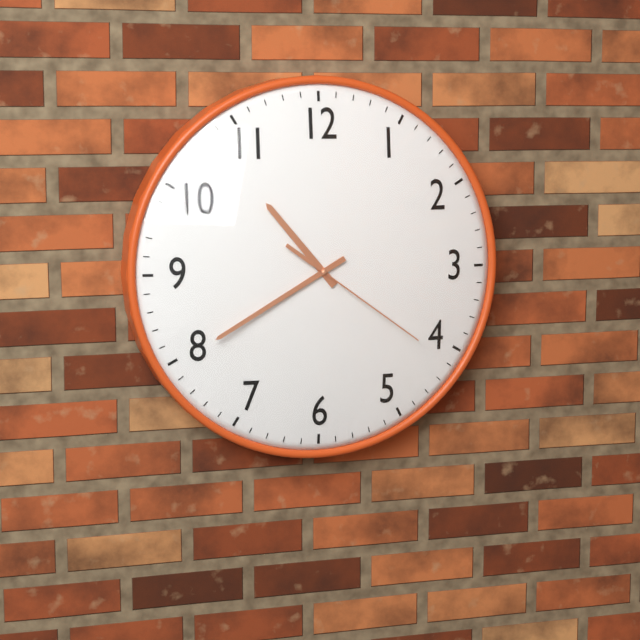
**10:40:21**
